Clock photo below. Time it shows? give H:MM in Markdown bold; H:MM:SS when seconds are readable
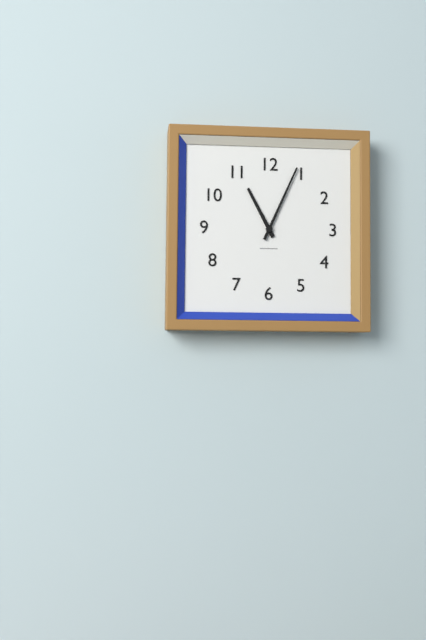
**11:04**
